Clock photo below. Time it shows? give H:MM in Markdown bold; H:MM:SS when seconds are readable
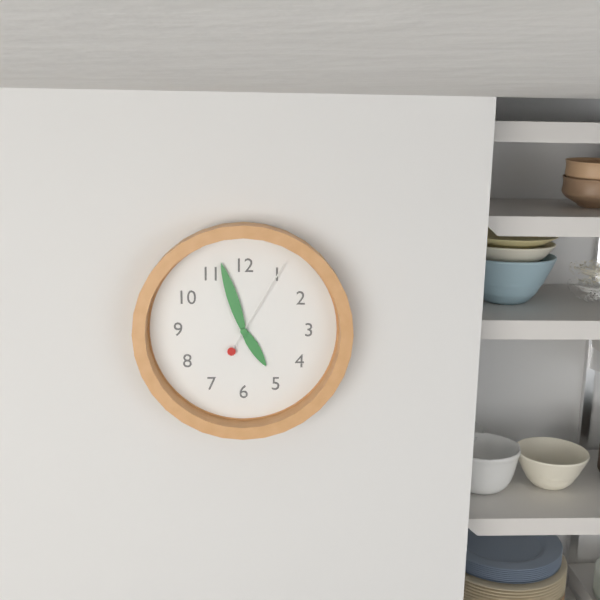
**4:57:05**
